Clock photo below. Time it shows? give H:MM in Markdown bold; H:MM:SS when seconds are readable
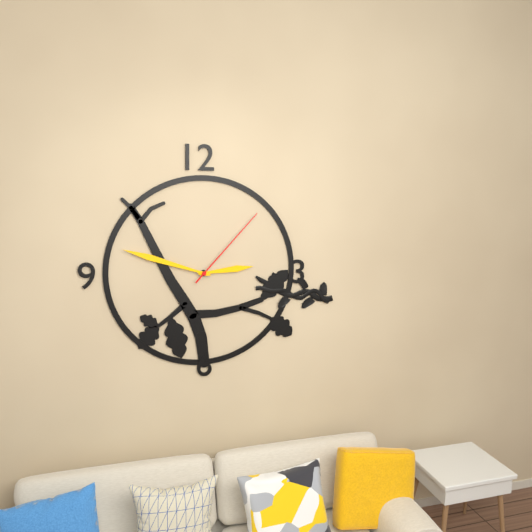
**2:48:07**
